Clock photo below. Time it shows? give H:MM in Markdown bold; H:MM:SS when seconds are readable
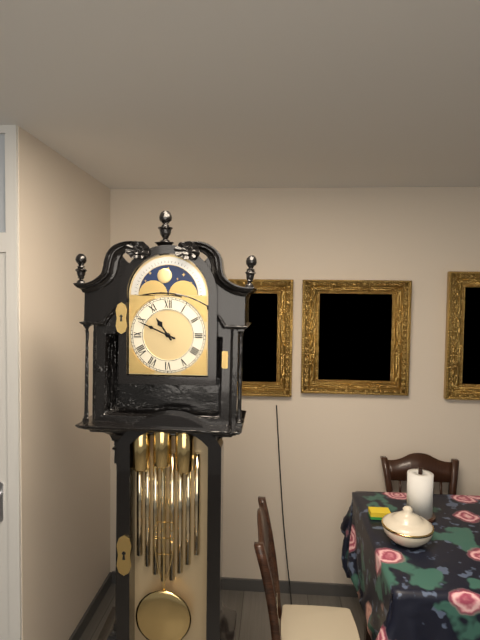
**10:49**
